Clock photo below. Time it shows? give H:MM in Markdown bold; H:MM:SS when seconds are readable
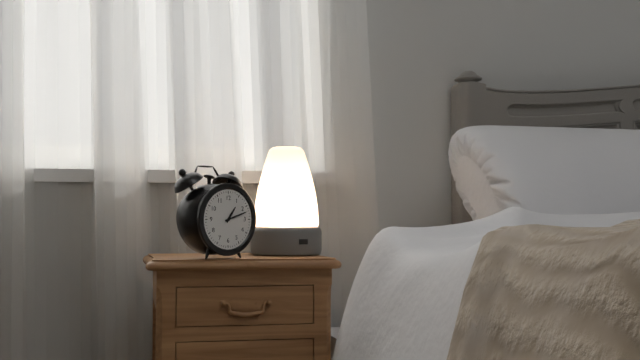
**1:12**
